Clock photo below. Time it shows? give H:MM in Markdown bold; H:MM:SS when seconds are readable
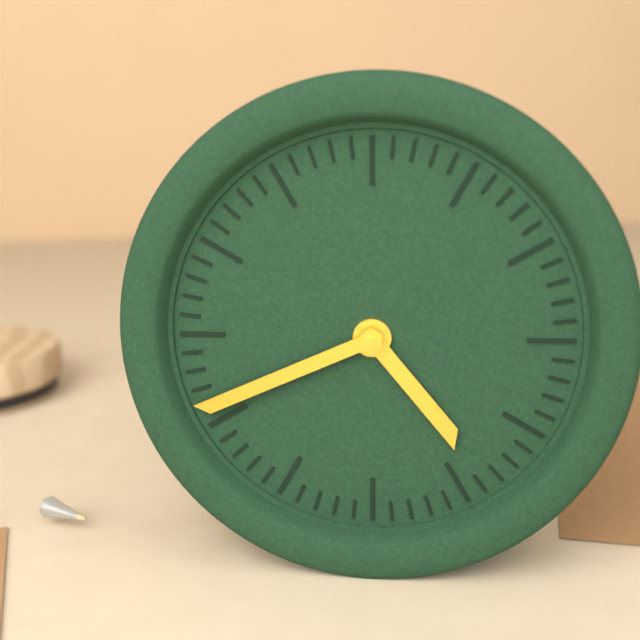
**4:41**
